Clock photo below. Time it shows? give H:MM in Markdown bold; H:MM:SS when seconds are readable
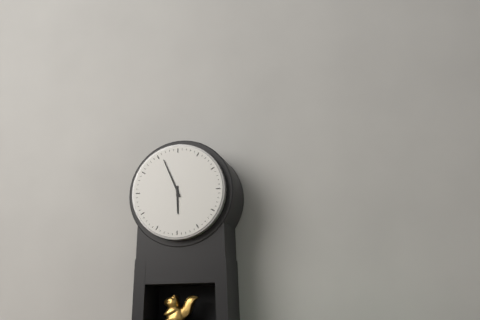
**5:56**
